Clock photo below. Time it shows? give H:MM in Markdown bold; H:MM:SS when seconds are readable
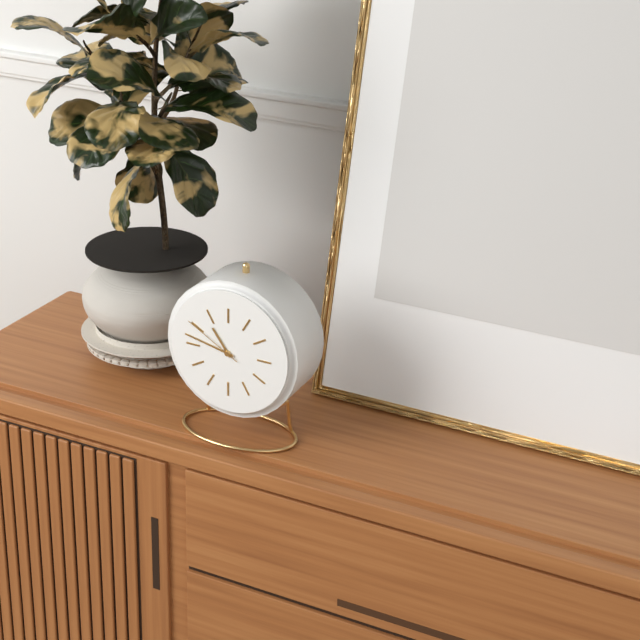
**10:47:50**
